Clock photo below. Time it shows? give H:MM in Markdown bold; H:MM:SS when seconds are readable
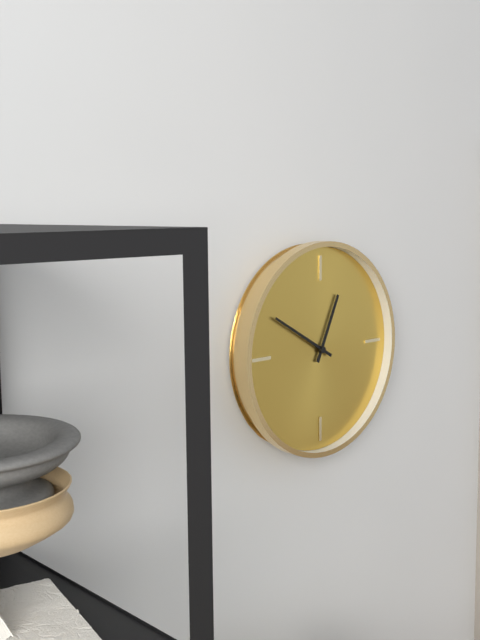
**12:50**
